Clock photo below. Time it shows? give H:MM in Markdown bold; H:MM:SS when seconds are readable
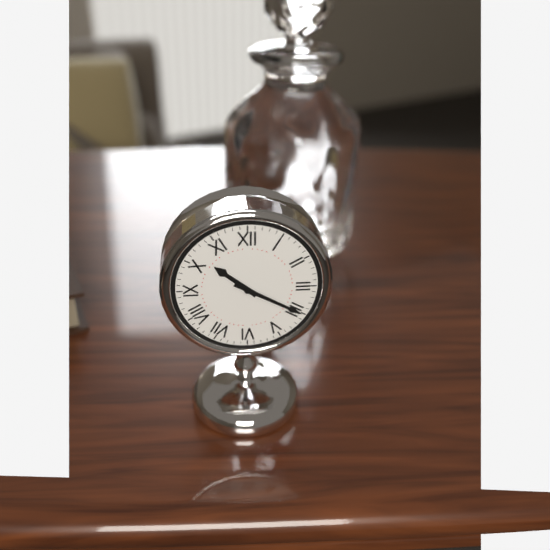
**10:20**
